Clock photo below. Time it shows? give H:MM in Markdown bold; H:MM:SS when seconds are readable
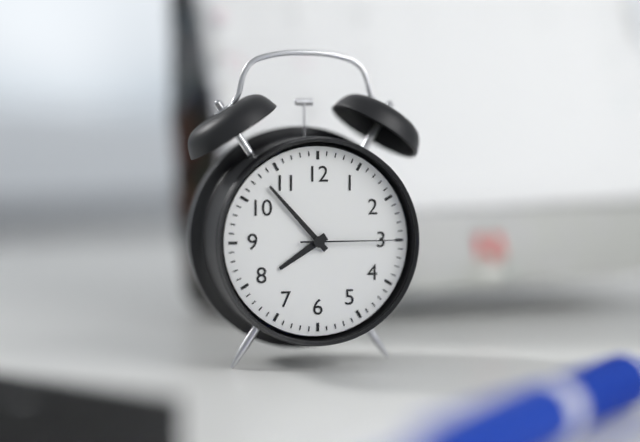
**7:53:15**
